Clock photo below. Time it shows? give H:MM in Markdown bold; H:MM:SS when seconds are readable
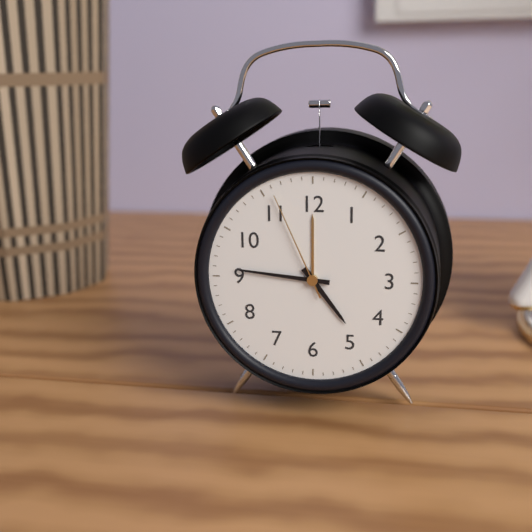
**4:46:56**
